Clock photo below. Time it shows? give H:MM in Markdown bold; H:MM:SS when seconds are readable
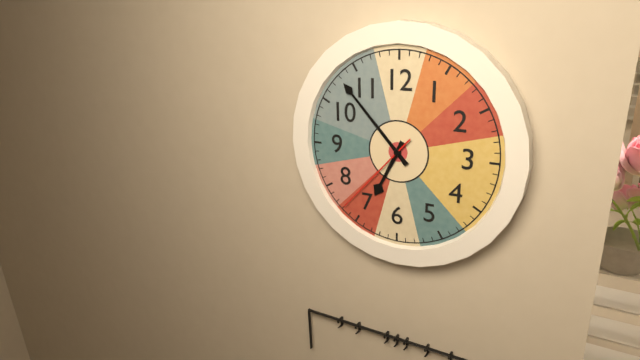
**6:53:37**
